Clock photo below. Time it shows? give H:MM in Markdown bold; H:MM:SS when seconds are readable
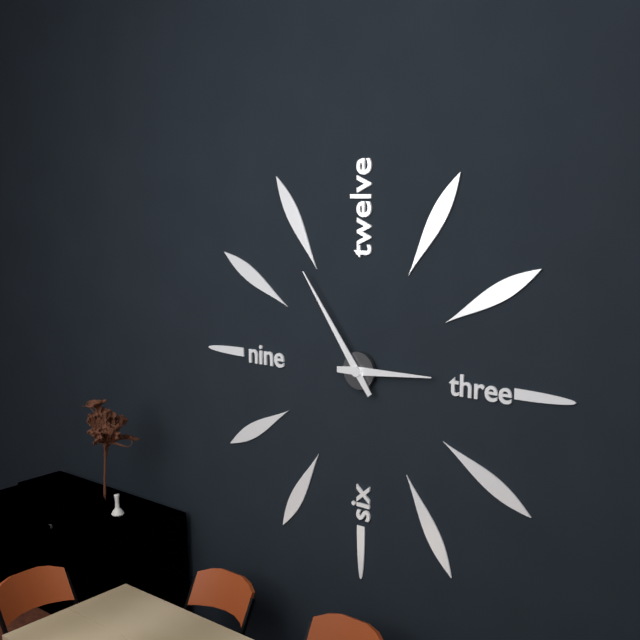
**2:54**
